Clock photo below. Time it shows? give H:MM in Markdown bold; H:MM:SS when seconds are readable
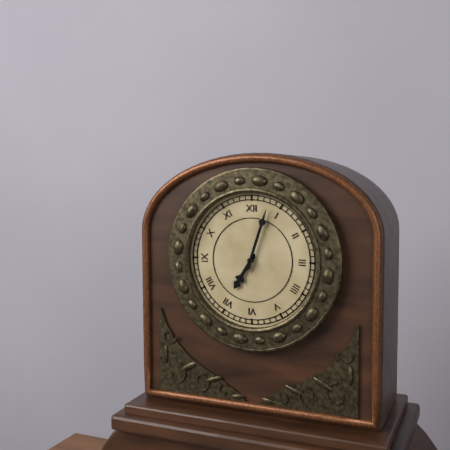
**7:03**
